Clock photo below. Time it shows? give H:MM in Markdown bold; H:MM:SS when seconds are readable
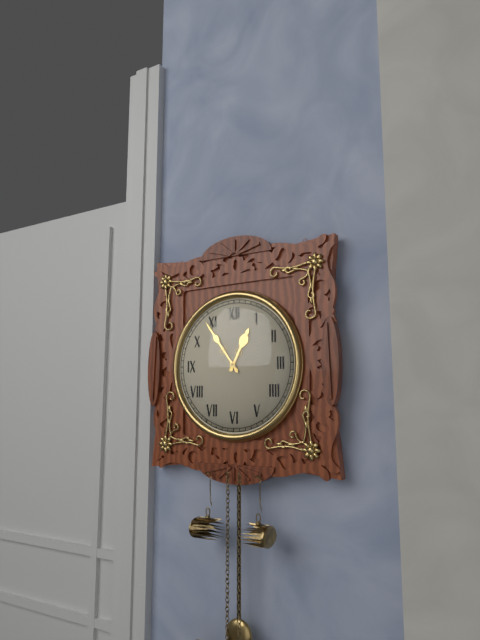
**12:54**
